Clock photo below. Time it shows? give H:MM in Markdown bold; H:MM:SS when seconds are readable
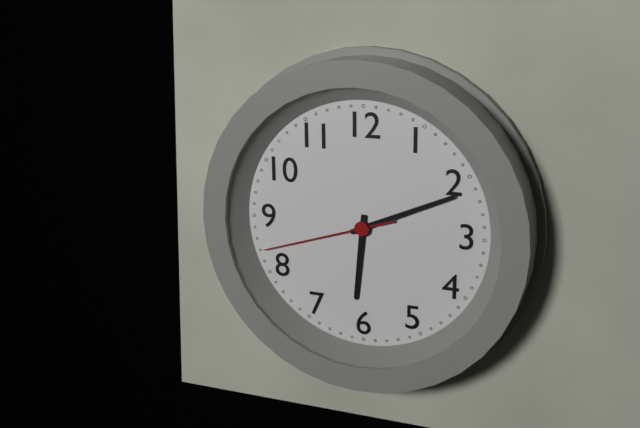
**6:11:42**
